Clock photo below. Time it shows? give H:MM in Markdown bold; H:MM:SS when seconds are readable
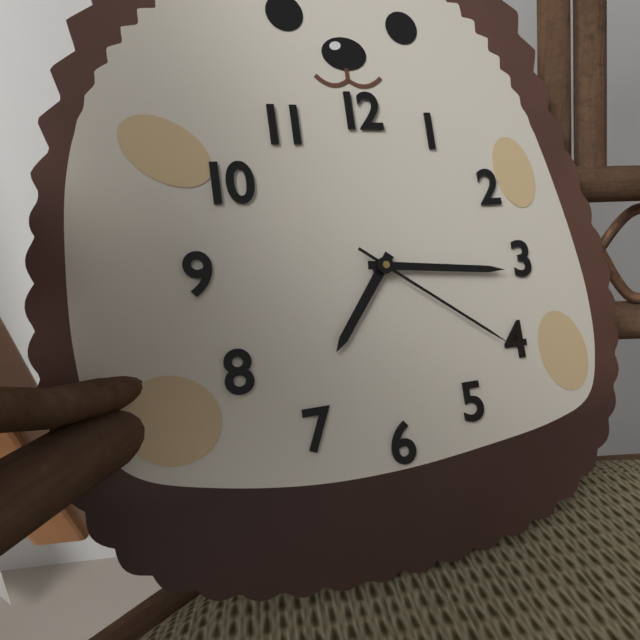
**7:16:21**
